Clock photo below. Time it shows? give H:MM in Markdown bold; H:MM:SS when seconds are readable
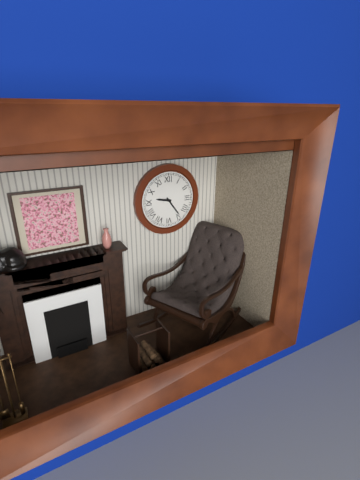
**9:24**
